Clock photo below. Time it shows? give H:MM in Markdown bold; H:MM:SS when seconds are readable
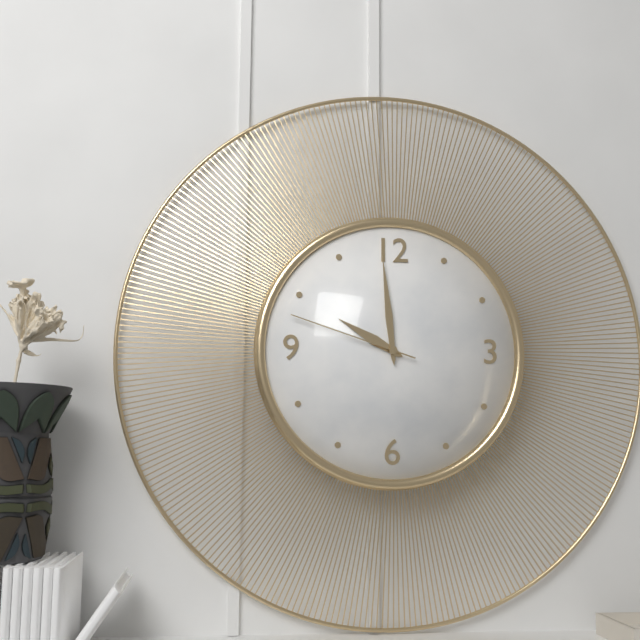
**9:59:48**
